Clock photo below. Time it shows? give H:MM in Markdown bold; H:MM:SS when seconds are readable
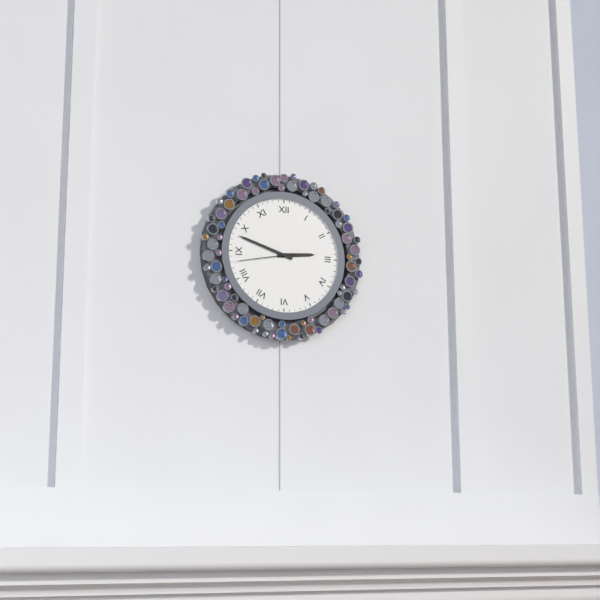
**2:48:43**
